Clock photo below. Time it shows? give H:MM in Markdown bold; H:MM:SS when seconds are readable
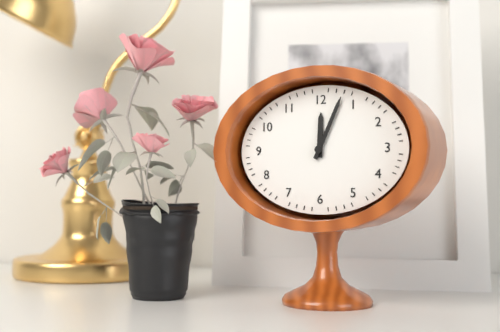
**12:04**
